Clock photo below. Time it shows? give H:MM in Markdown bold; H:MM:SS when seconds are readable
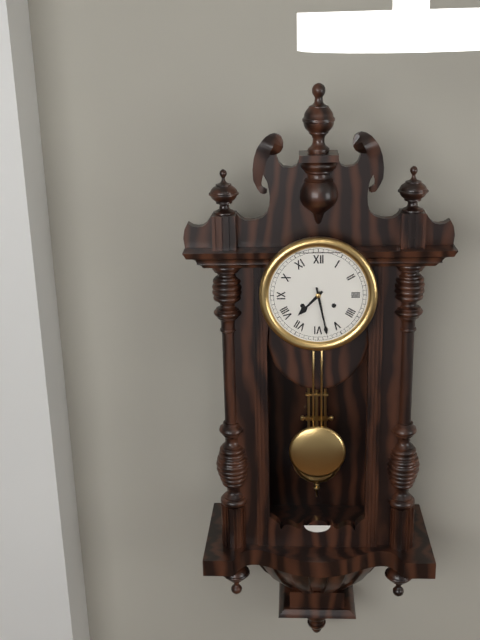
**7:28**
